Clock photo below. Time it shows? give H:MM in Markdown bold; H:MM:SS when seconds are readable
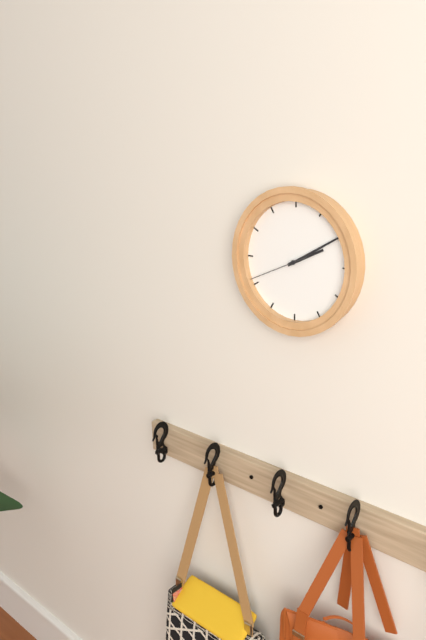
**2:10:41**
